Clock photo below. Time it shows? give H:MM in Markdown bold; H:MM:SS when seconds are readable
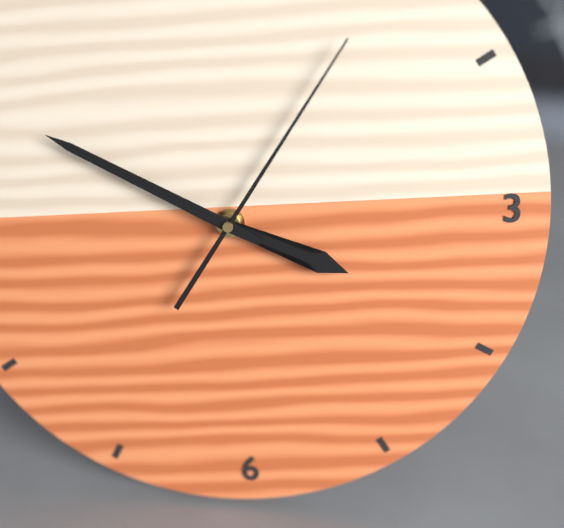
**3:50:06**
